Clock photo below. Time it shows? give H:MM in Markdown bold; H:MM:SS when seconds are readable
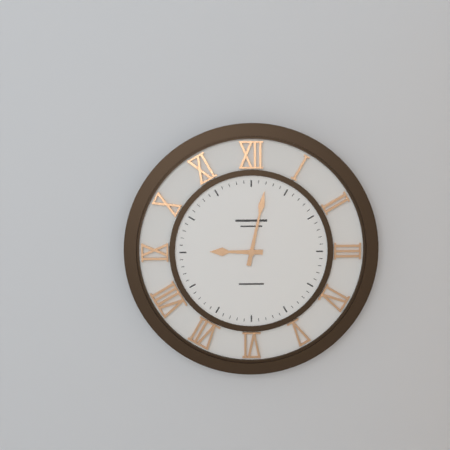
**9:02**
